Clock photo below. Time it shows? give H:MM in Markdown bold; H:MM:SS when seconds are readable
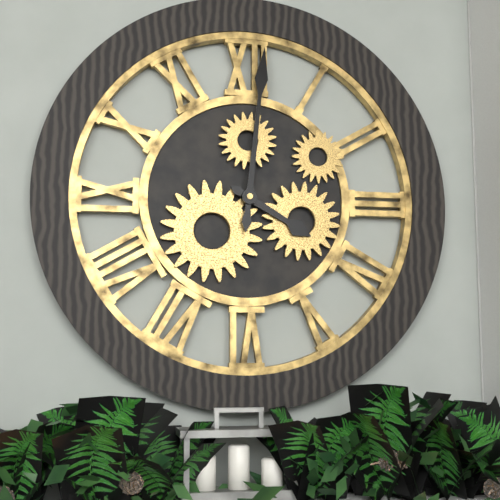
**4:01**
